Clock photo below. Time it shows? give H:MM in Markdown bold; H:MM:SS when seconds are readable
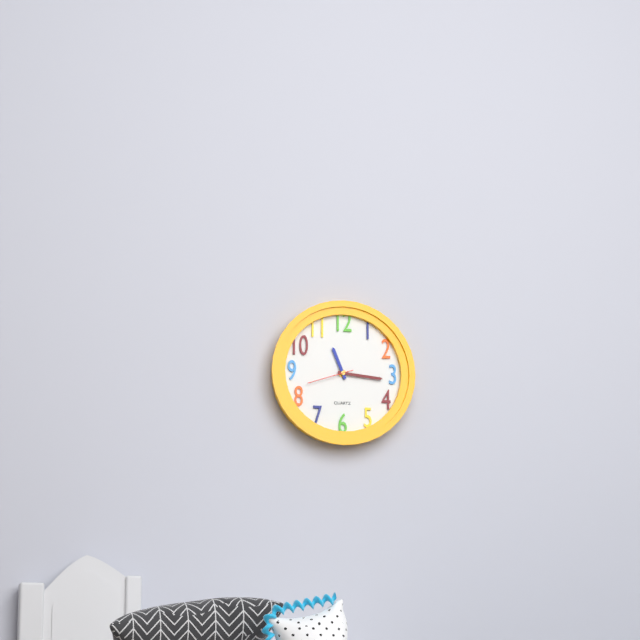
**11:16**
